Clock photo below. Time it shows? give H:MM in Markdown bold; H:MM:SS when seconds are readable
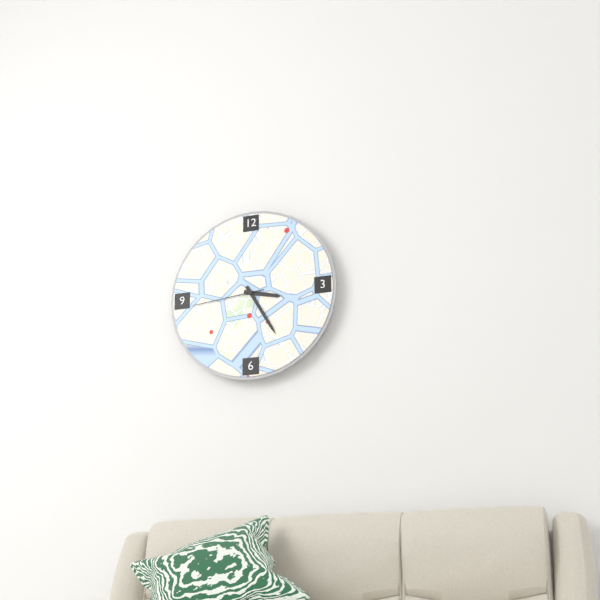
**3:25:44**
